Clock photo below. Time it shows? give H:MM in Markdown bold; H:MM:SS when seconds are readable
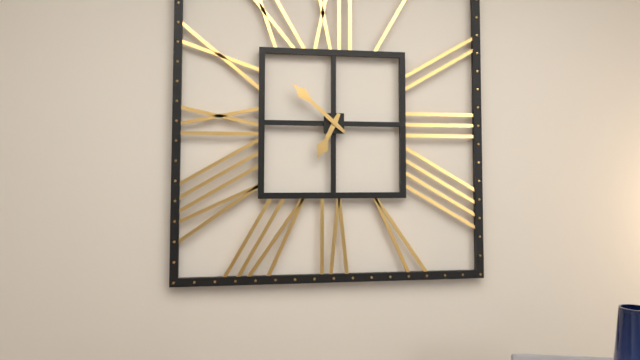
**6:52**
